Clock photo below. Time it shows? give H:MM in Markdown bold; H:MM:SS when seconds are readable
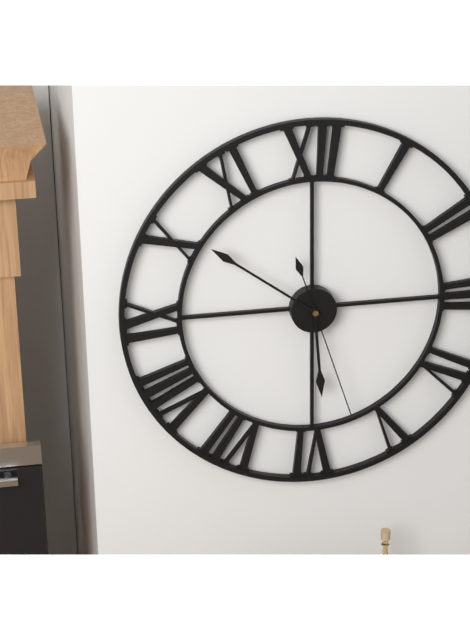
**5:51:27**
